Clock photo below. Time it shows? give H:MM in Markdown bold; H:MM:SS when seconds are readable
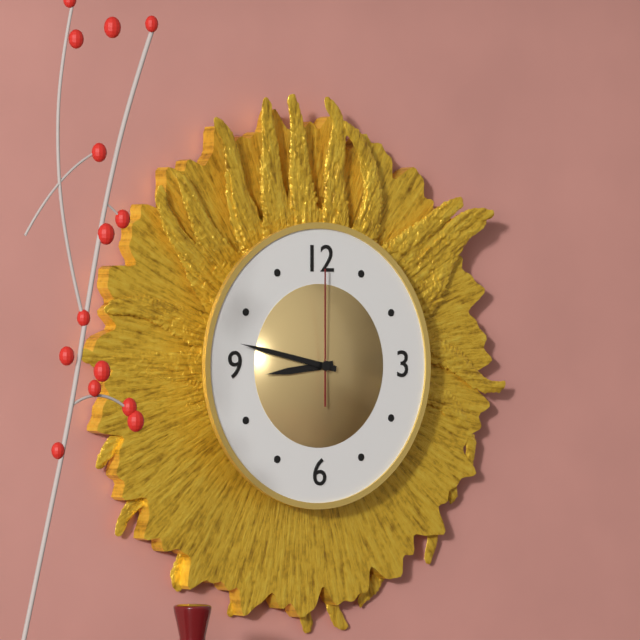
**8:47:00**
